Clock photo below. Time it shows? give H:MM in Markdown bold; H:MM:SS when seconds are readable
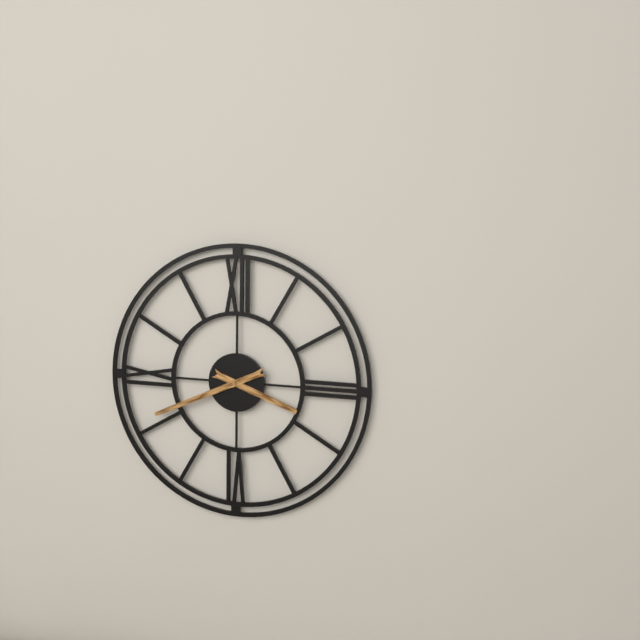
**3:41**
